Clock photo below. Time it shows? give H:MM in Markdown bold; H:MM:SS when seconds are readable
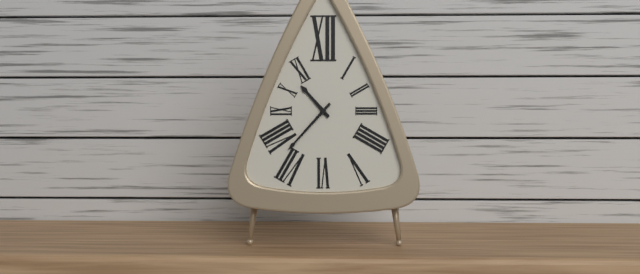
**10:37**
